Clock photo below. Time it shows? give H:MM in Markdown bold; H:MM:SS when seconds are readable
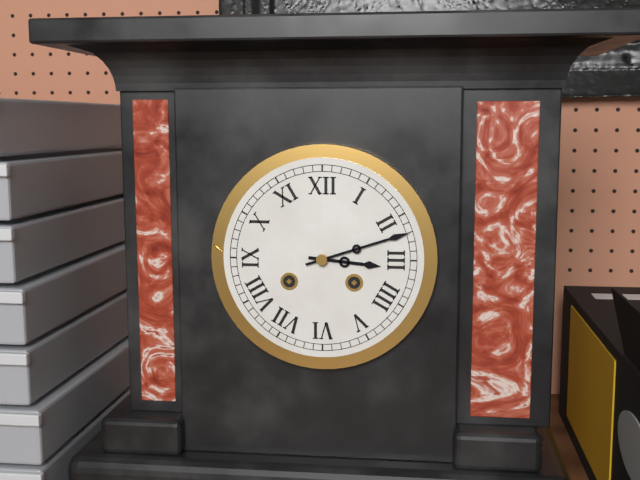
**3:12**
